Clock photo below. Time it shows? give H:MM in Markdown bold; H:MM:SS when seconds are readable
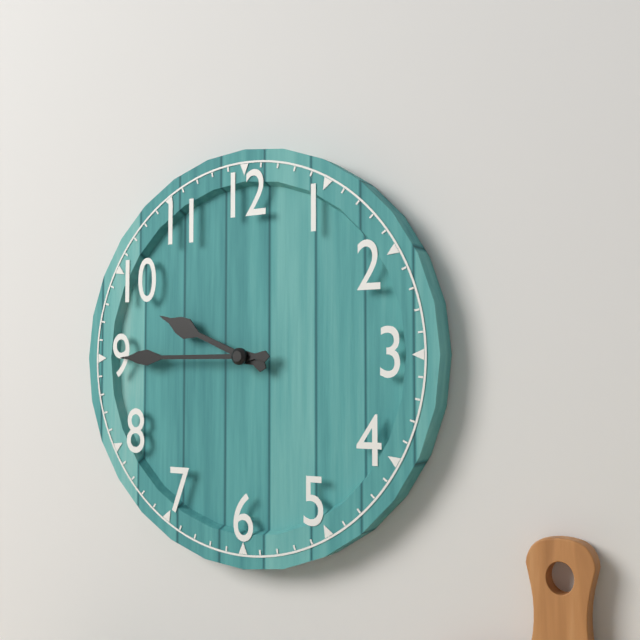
**9:45**
